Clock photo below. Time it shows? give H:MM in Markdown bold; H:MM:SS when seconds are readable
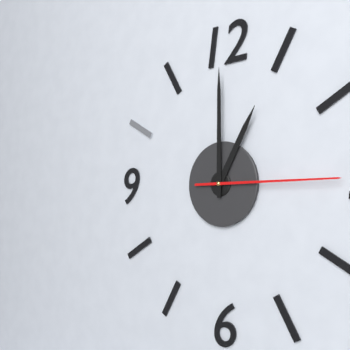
**1:00:15**
